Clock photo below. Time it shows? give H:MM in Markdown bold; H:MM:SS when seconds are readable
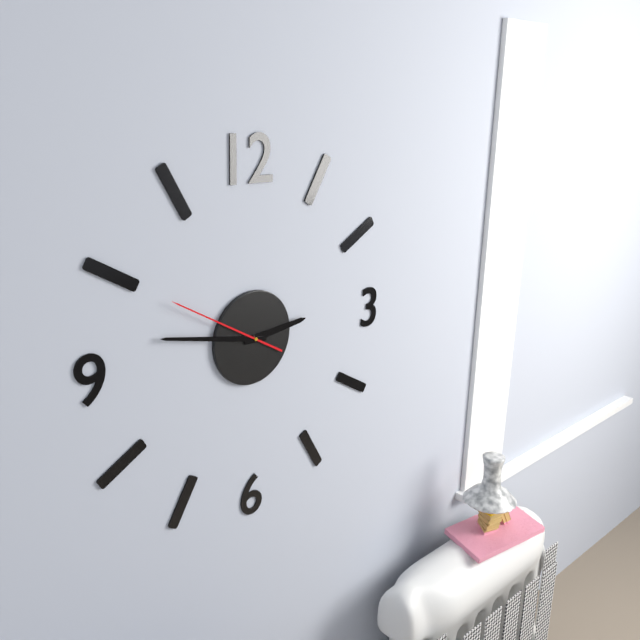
**2:47:50**
